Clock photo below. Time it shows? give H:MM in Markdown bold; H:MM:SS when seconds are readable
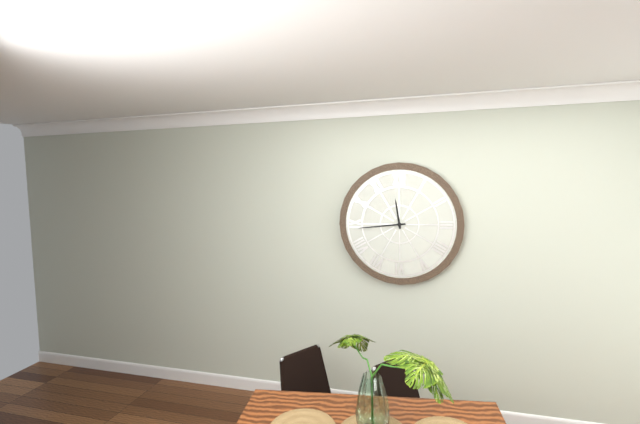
**11:44**
